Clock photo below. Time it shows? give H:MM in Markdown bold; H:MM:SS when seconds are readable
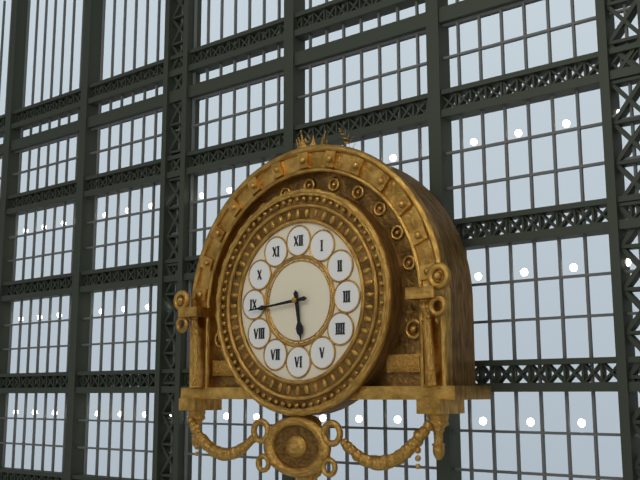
**5:44**
